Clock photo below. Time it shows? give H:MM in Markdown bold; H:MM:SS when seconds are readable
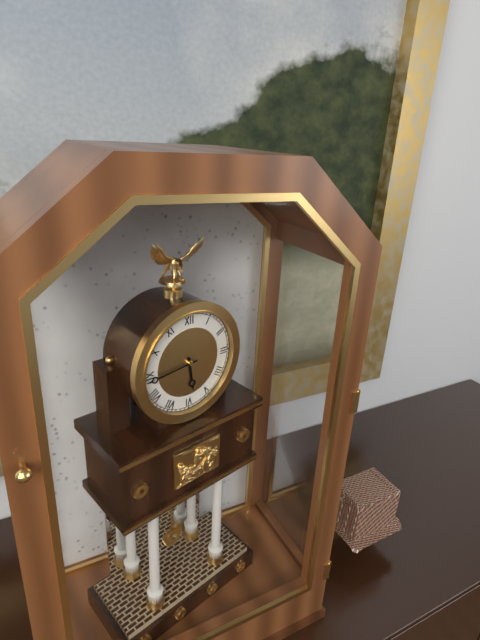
**5:44**
